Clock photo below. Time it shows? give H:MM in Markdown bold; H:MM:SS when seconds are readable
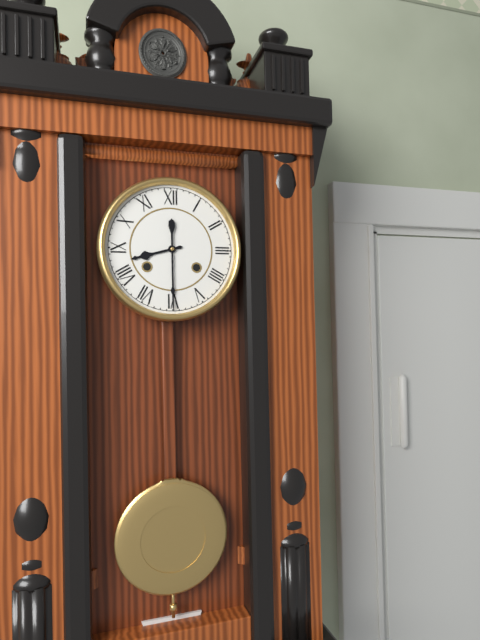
**8:30**
